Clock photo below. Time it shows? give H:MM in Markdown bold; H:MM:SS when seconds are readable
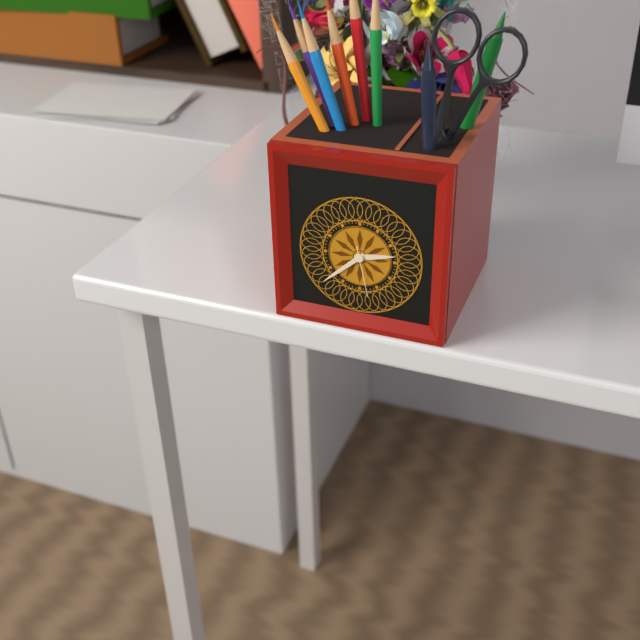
**2:38:28**
